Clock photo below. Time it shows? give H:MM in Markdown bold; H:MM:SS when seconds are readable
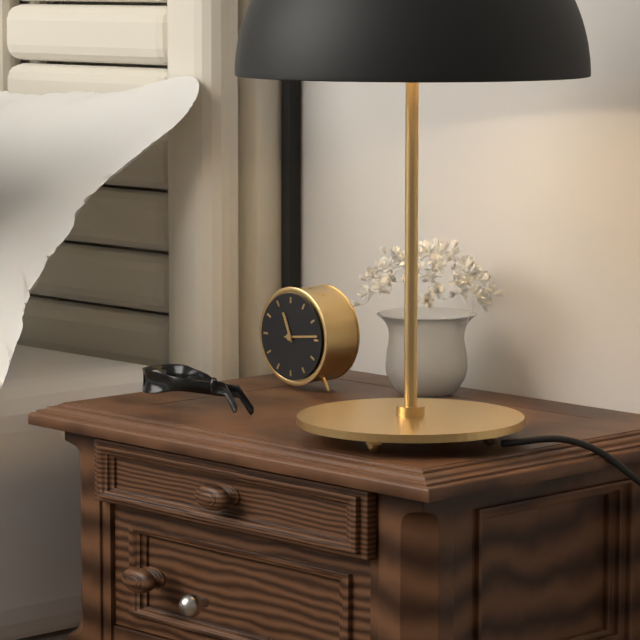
**11:14**
